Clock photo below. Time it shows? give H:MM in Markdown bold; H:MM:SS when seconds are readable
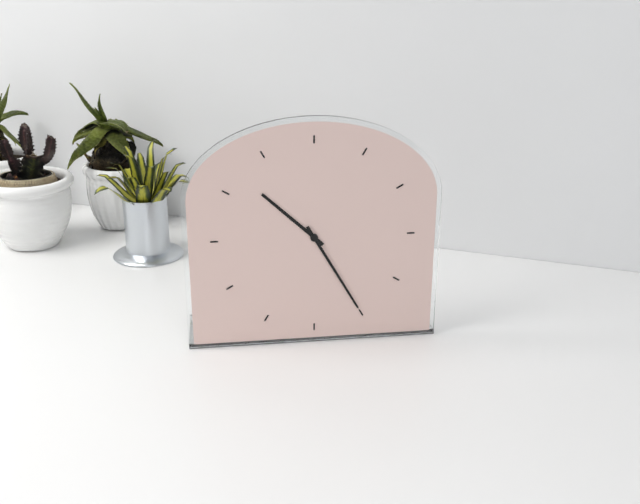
**10:25**
